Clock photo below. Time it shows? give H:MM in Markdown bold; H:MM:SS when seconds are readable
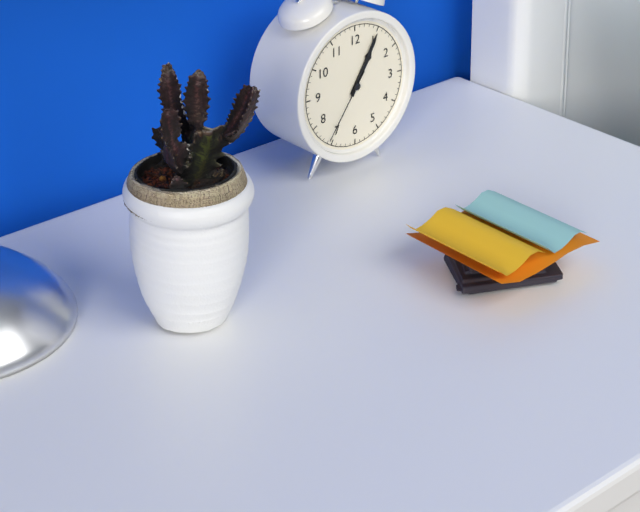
**1:05:36**
